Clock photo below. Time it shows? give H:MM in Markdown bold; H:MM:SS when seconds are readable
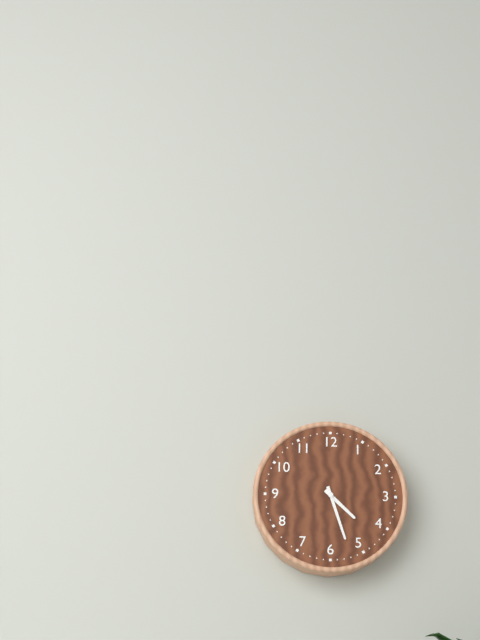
**4:27**
